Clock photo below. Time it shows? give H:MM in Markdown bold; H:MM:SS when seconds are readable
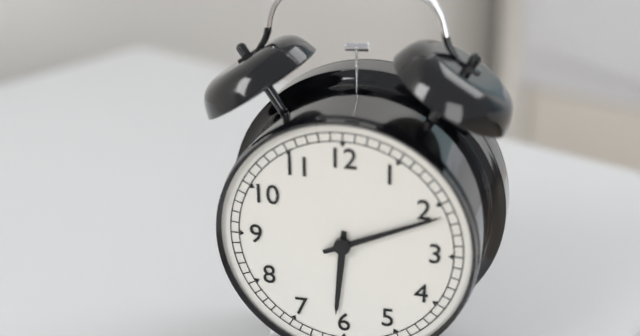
**6:11**
